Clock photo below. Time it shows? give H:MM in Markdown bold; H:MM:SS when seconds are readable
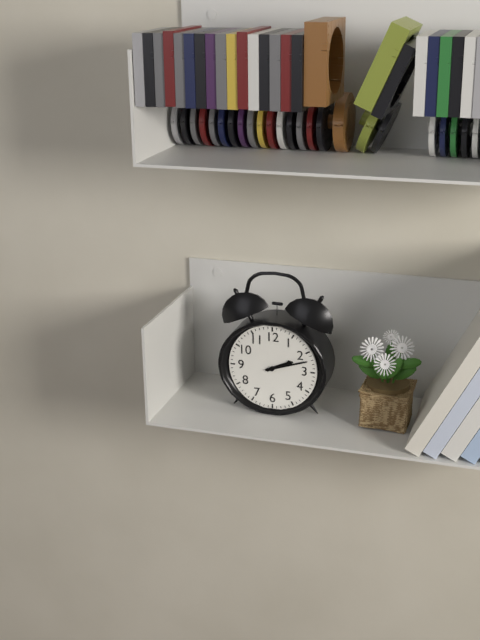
**2:12**
